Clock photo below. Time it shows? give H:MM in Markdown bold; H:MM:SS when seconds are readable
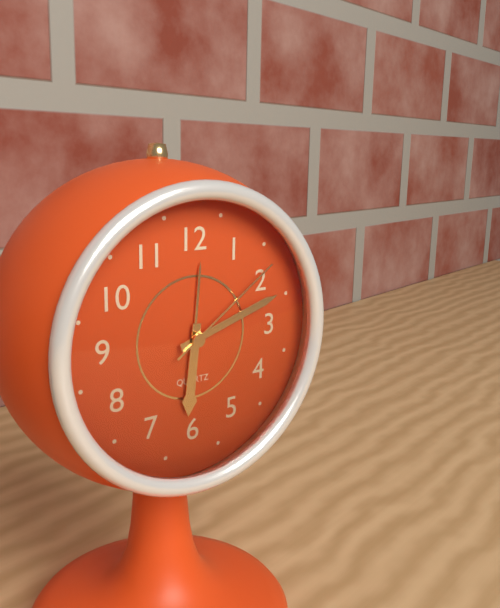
**6:12:09**
